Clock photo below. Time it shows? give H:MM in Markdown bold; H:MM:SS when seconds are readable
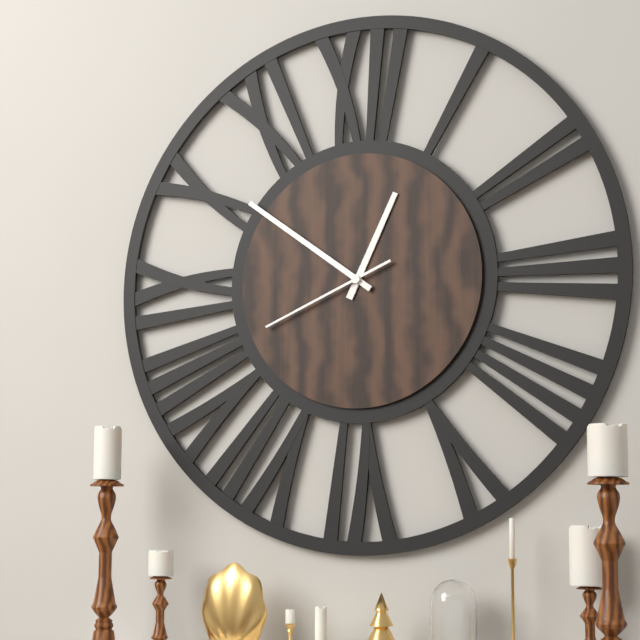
**12:51:41**
